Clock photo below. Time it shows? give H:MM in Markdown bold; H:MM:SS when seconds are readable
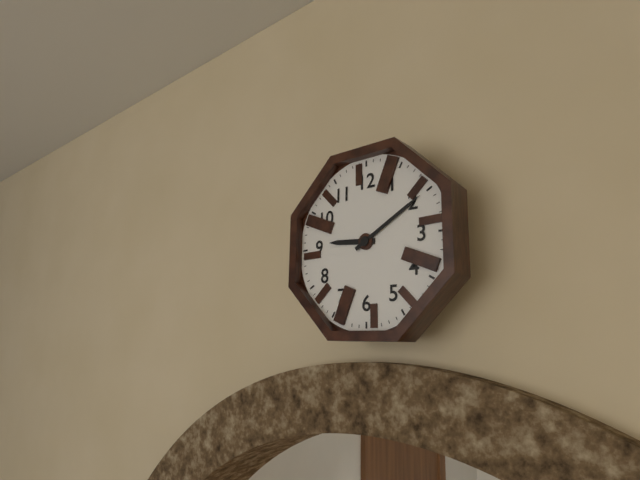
**9:10**
